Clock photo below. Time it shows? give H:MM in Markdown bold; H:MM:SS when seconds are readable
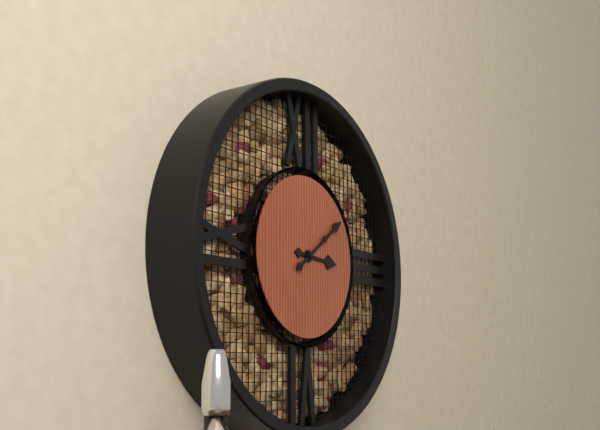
**3:09**
